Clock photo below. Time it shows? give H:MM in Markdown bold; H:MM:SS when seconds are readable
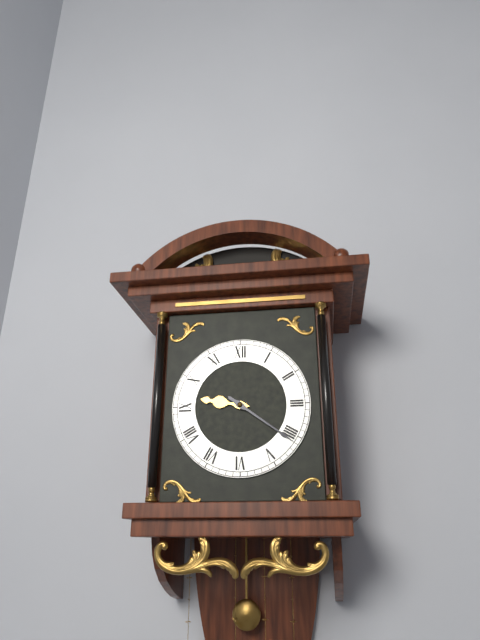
**9:21**
